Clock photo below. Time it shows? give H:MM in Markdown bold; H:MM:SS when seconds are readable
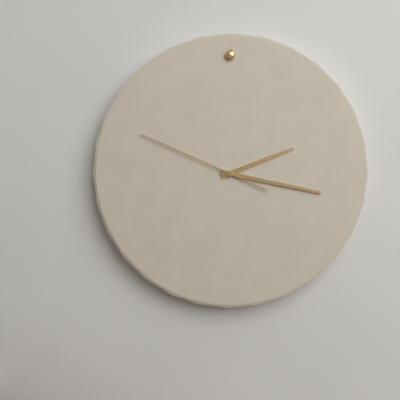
**2:17:49**
